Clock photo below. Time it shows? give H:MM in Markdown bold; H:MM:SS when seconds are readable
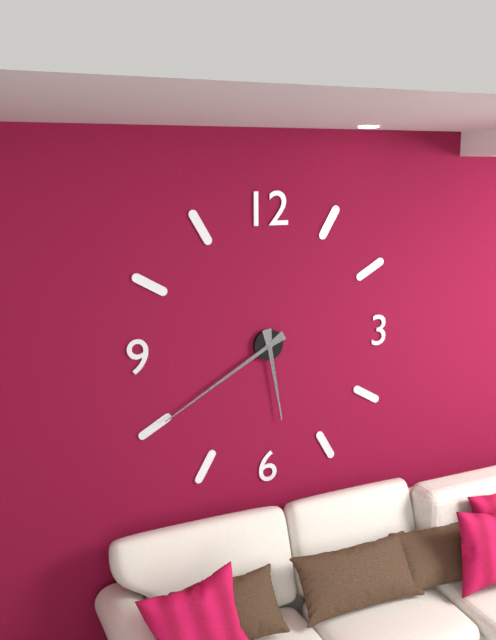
**5:40**
